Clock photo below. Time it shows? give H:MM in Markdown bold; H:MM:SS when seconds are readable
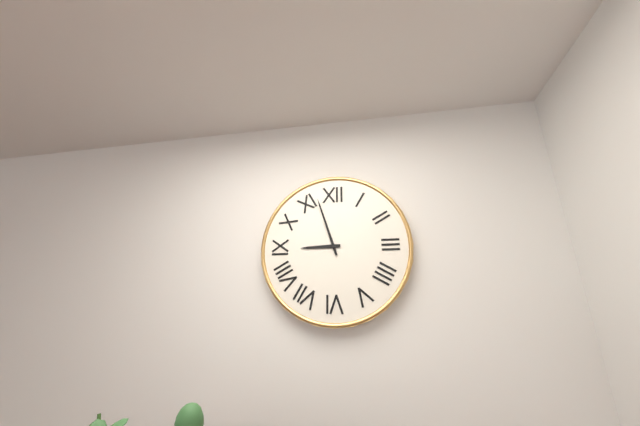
**8:57**
